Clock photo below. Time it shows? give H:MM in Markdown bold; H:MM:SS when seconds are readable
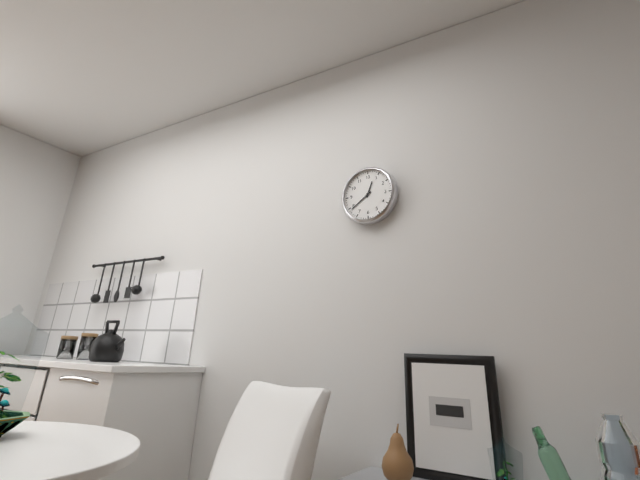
**12:39**
